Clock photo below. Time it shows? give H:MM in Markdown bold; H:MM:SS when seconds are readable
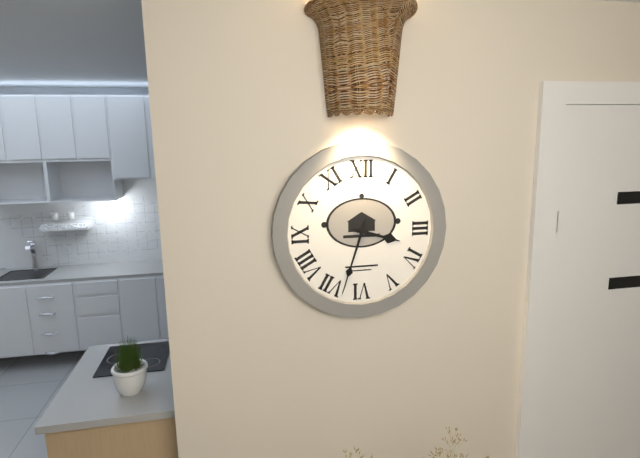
**3:33**
